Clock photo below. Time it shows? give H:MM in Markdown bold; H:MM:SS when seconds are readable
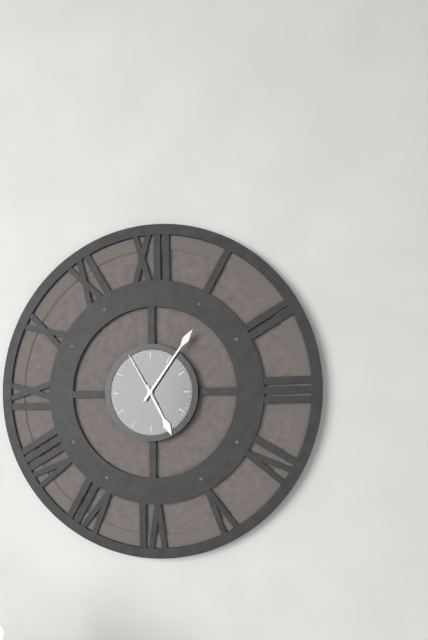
**5:06:55**
